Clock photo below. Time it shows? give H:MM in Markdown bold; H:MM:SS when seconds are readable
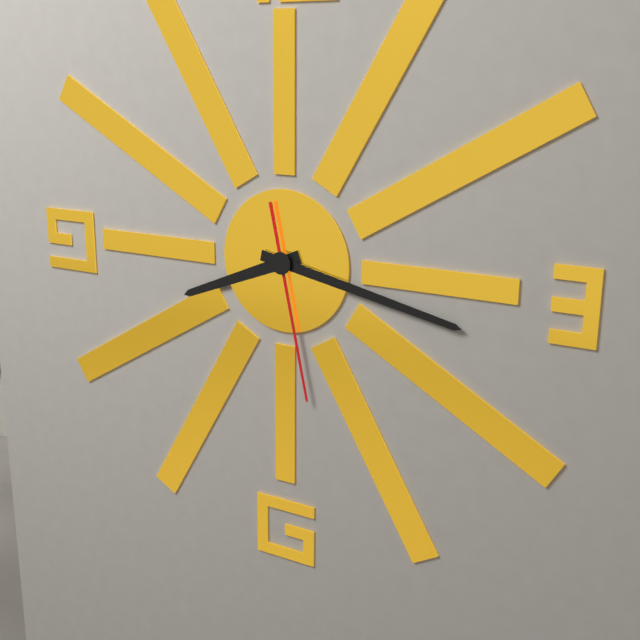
**8:17:28**
